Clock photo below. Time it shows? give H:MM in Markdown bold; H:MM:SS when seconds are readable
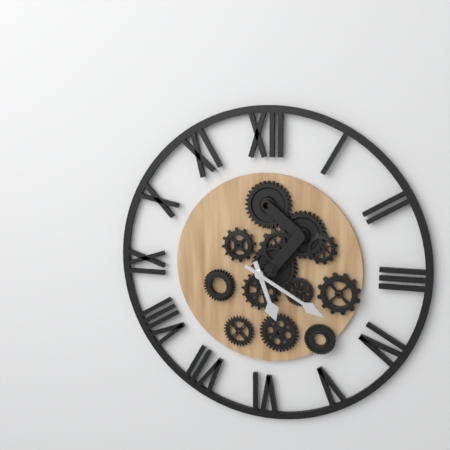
**5:20**
